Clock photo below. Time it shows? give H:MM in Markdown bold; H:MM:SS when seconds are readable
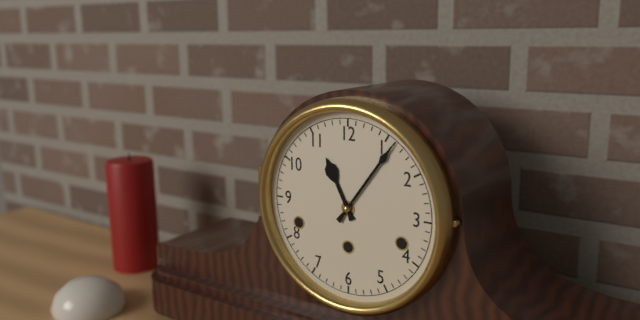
**11:06**
